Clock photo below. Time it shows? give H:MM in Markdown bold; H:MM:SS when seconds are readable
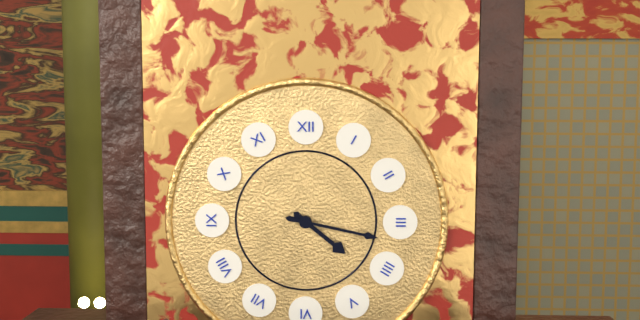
**4:17**
